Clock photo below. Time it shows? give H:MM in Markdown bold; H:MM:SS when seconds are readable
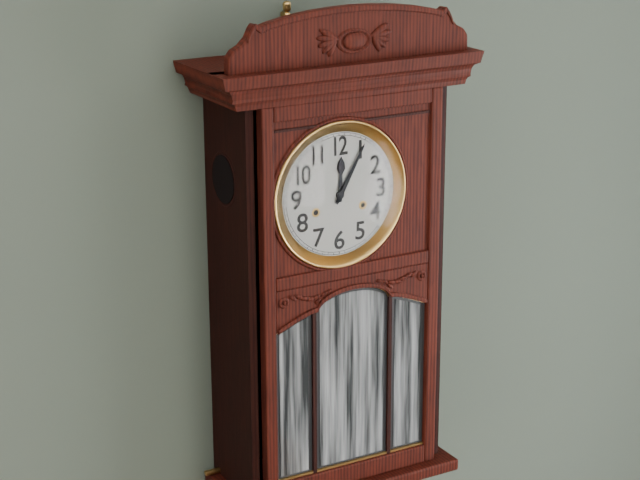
**12:05**
